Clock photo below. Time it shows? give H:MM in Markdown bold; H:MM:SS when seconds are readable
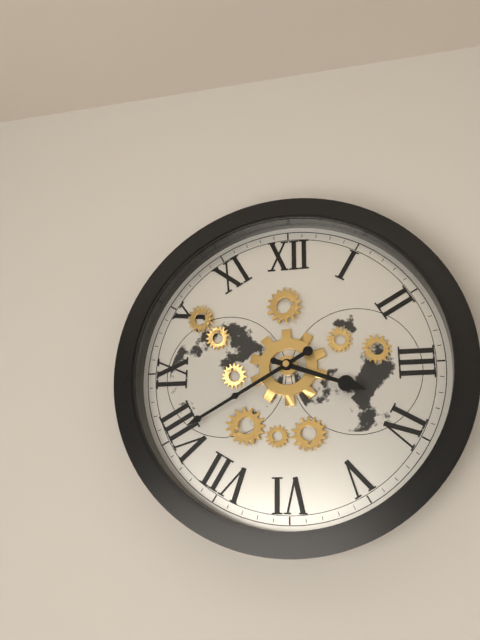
**3:40**
